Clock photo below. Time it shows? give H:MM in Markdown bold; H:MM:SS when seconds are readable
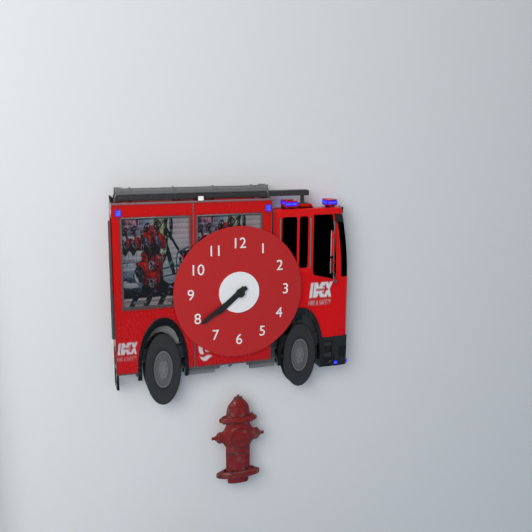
**7:39**
